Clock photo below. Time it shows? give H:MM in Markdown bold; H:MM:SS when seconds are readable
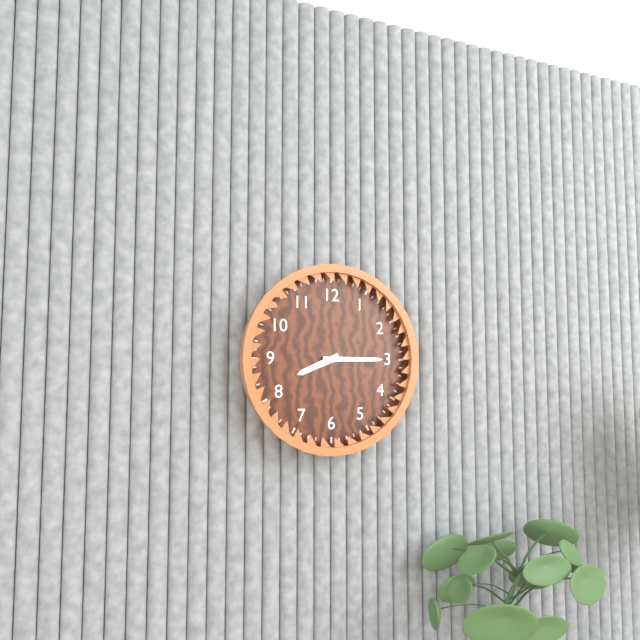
**8:15**
